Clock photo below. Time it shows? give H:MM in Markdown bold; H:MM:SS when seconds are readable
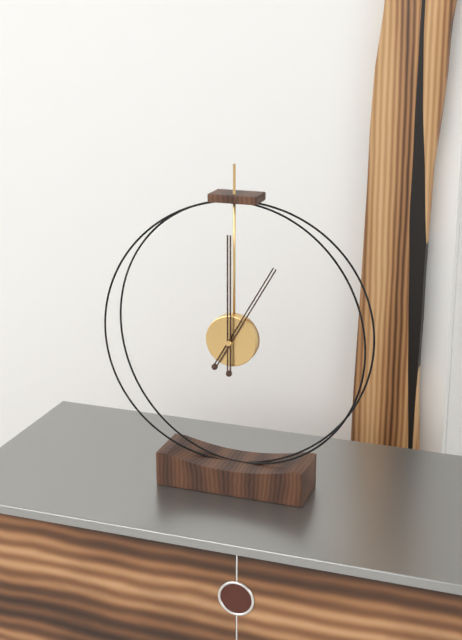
**1:00**
